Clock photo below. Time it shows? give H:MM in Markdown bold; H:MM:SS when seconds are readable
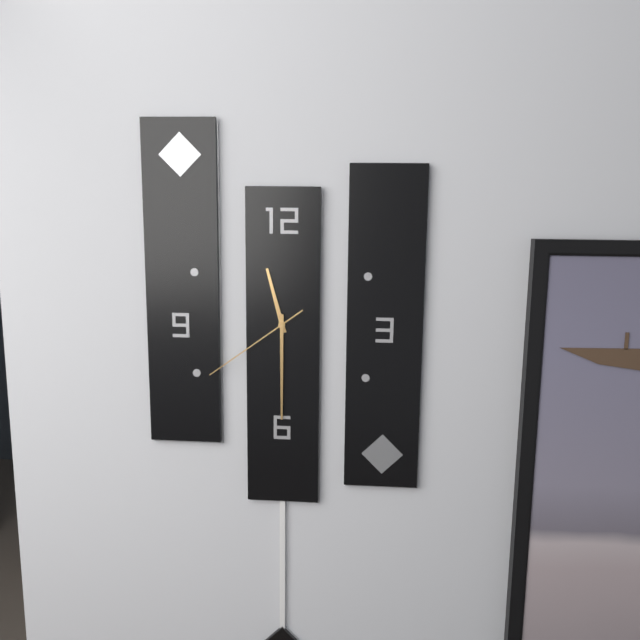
**11:30:39**
